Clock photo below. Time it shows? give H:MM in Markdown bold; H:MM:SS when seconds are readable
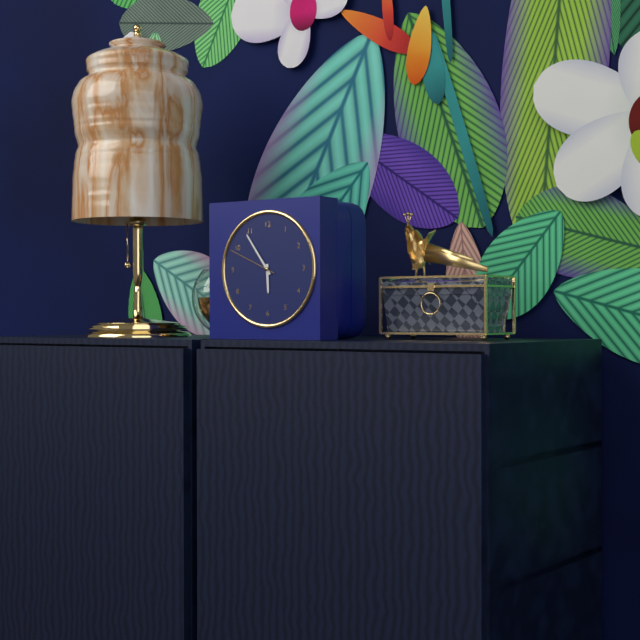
**5:54:49**
